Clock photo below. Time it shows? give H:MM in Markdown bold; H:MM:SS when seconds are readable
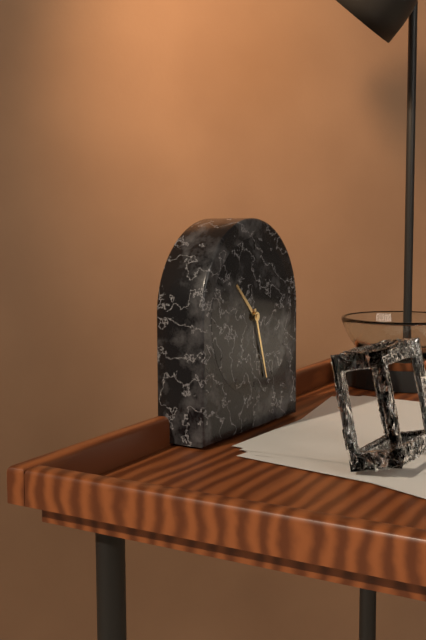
**10:27**
